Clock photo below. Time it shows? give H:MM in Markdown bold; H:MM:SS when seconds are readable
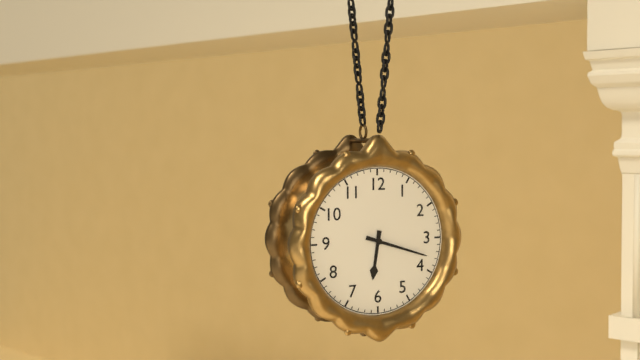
**6:18**
